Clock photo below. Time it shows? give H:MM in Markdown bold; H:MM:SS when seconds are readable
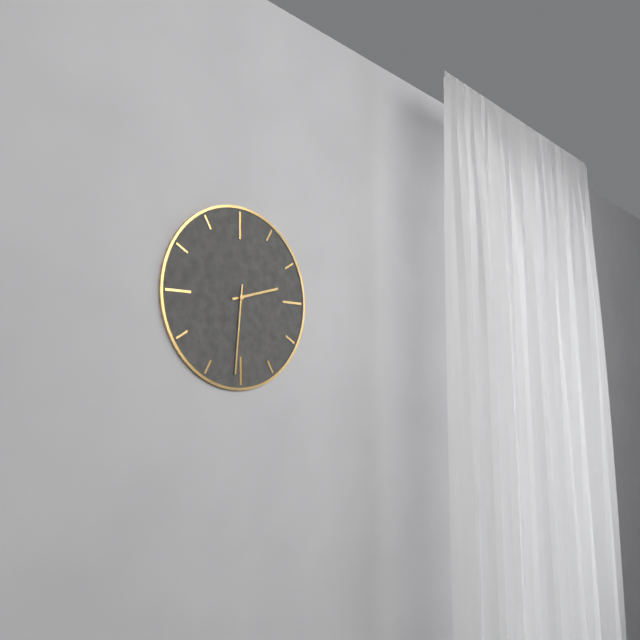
**2:31**
